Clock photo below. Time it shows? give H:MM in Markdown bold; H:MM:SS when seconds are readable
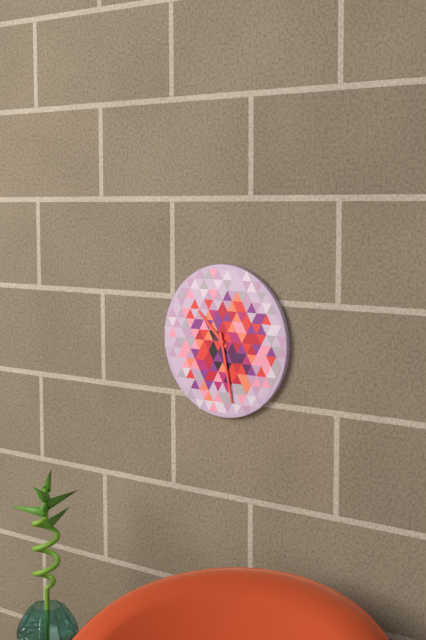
**10:28**
